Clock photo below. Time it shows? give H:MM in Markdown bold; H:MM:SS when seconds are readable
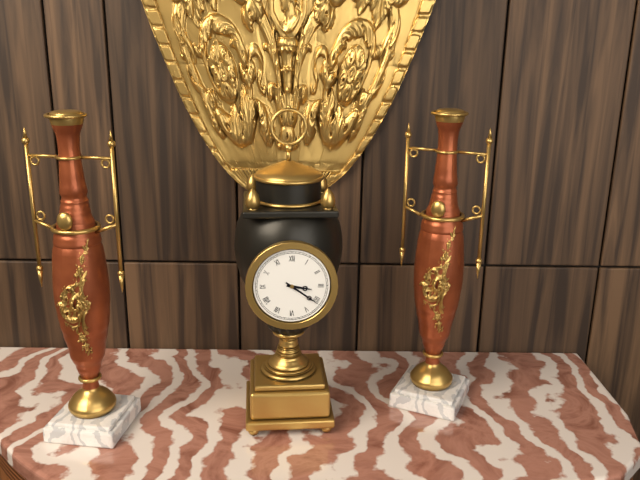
**3:21**
